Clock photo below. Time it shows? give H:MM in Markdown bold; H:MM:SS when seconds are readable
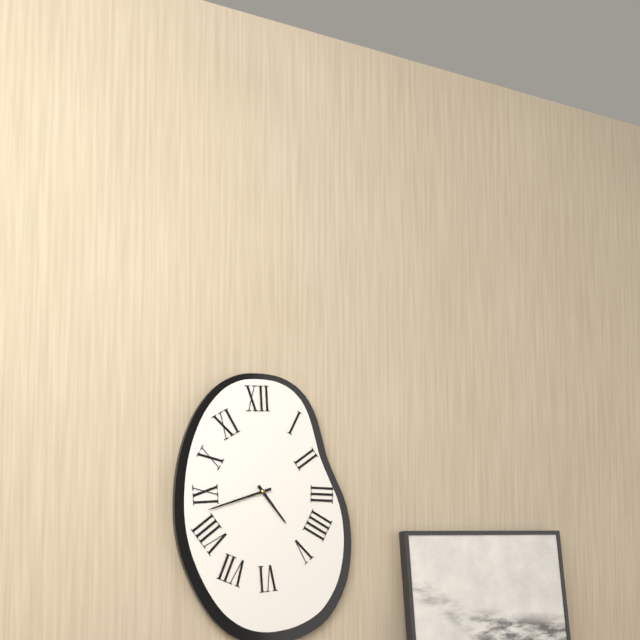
**4:42**
